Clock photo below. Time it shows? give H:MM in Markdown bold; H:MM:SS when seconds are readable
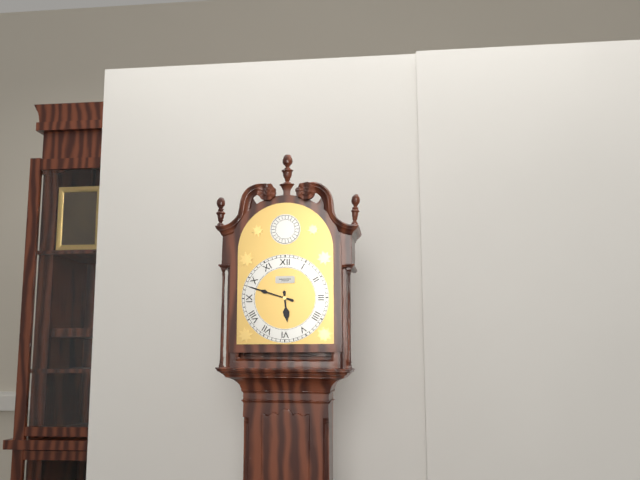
**5:48**
